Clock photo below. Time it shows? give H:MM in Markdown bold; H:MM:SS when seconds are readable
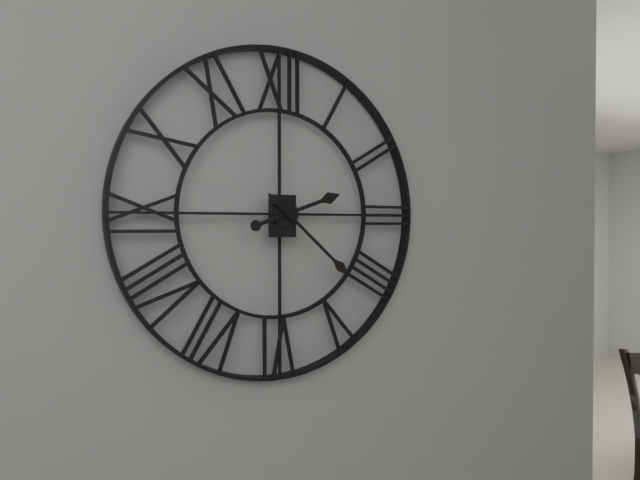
**2:22**
